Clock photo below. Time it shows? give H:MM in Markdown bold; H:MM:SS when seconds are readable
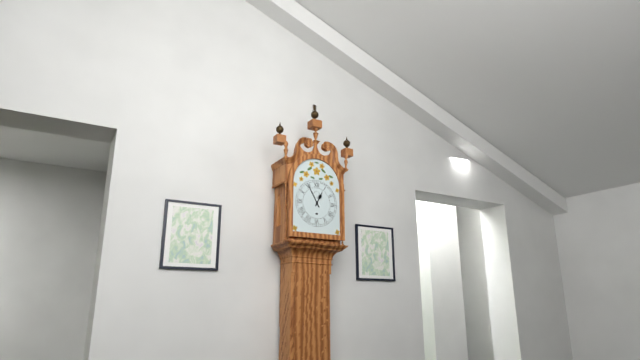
**12:55**
